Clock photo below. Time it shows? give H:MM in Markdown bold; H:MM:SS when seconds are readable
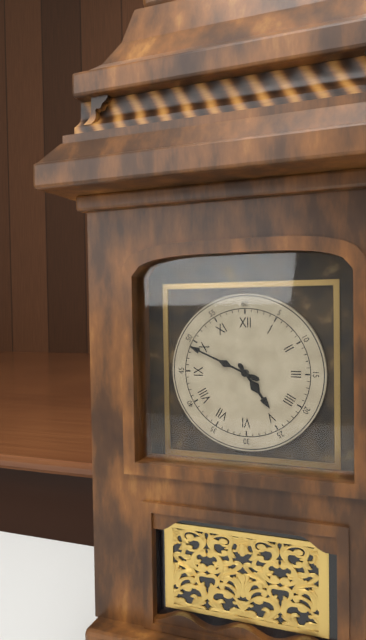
**4:49**
